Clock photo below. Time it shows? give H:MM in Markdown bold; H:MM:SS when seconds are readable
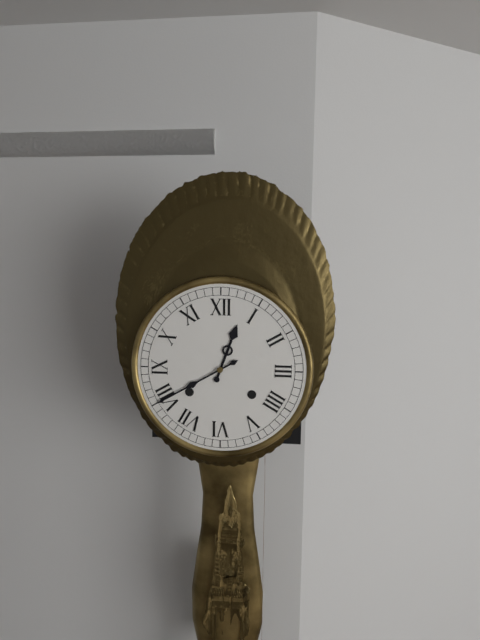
**12:40**
